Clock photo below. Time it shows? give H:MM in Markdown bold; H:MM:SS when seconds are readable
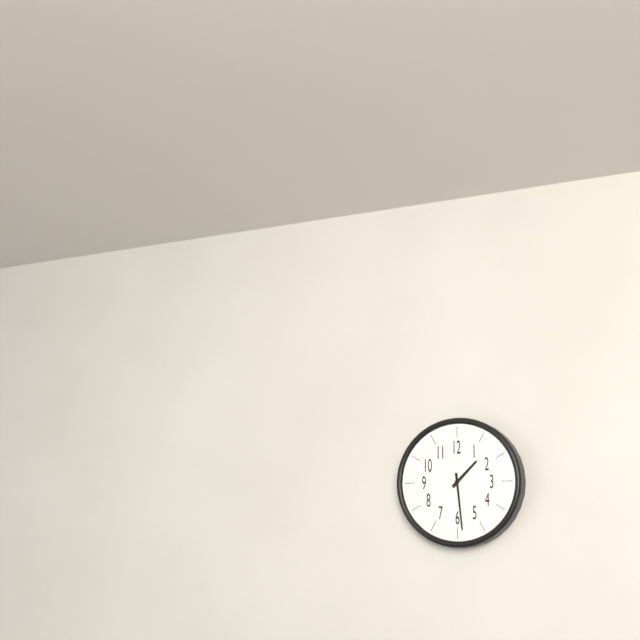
**1:29**
